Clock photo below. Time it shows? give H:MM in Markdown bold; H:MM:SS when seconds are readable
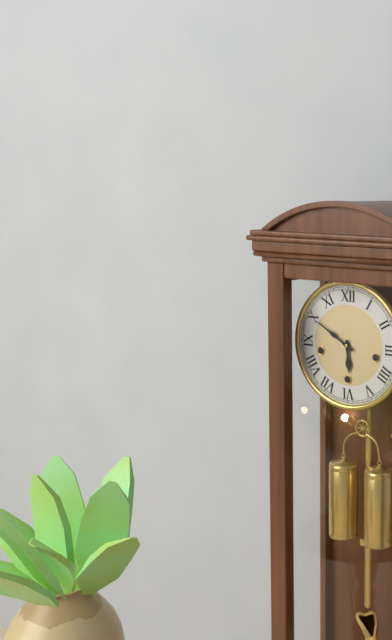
**5:50**
